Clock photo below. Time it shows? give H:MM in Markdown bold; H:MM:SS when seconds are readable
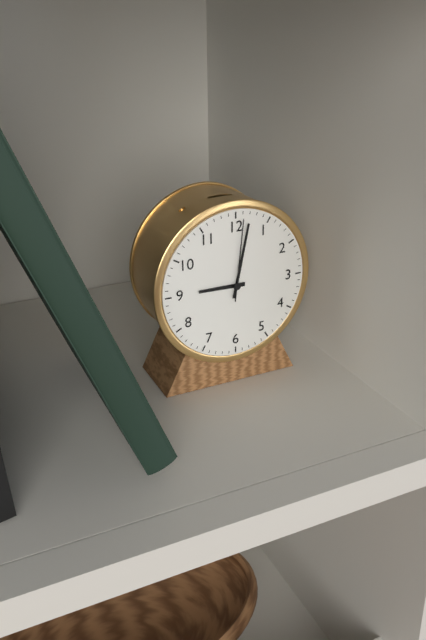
**9:02:01**
